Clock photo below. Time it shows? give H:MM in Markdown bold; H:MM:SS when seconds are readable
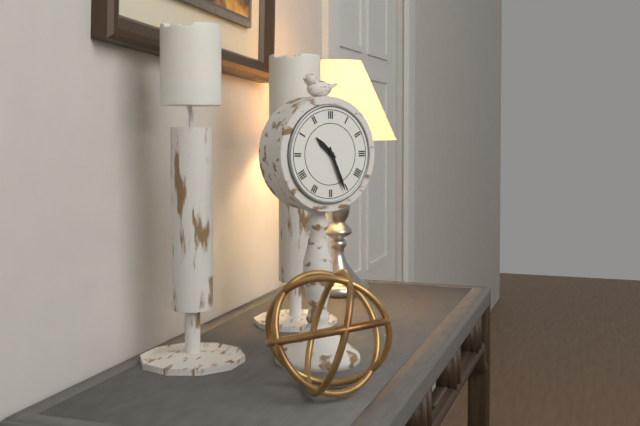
**10:26**
